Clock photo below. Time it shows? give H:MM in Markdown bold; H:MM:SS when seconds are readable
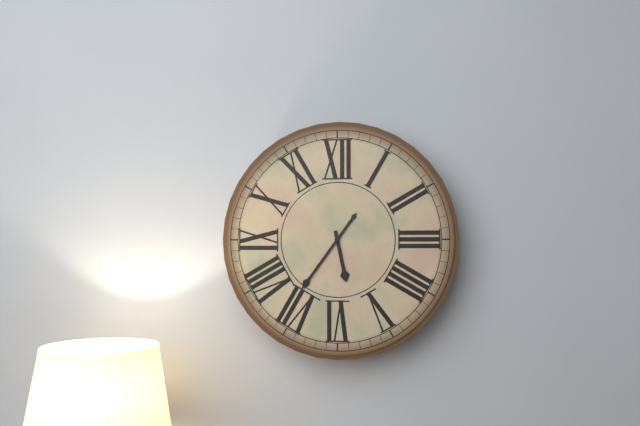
**5:36**
